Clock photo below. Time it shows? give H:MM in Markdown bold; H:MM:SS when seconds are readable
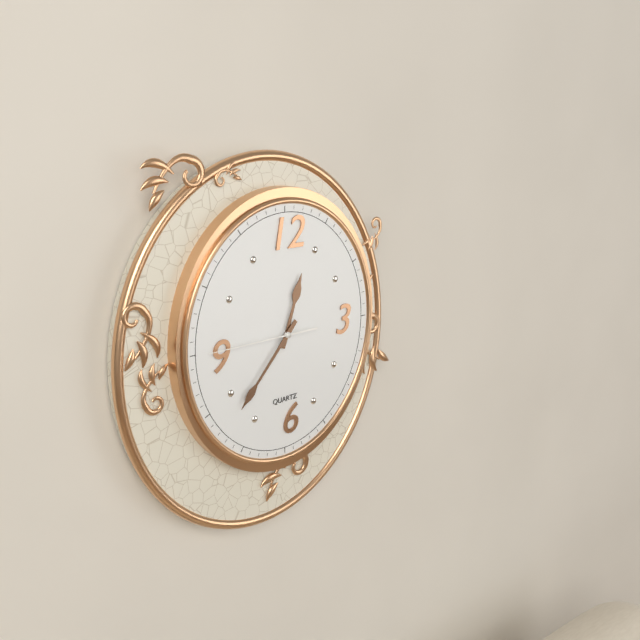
**12:37:45**
